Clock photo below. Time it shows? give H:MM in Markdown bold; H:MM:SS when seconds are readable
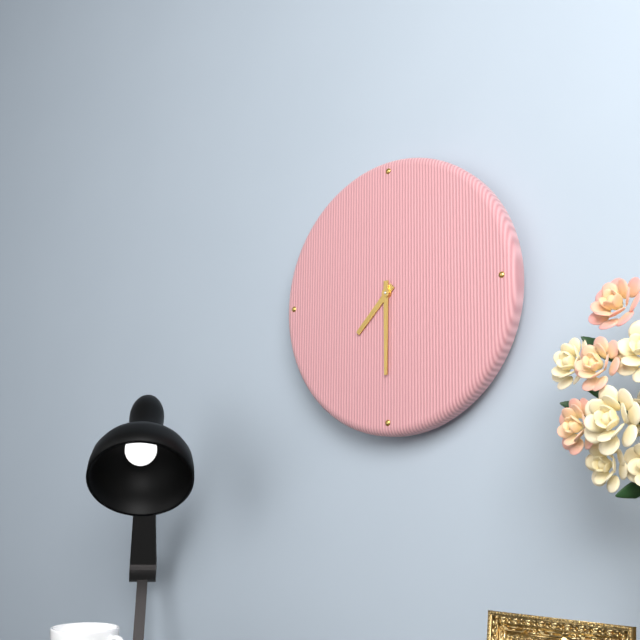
**7:30**
